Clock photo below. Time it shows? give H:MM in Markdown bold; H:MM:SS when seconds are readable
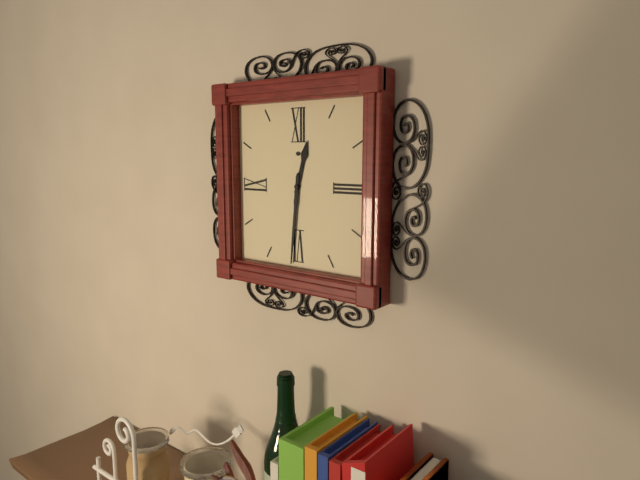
**12:31**
